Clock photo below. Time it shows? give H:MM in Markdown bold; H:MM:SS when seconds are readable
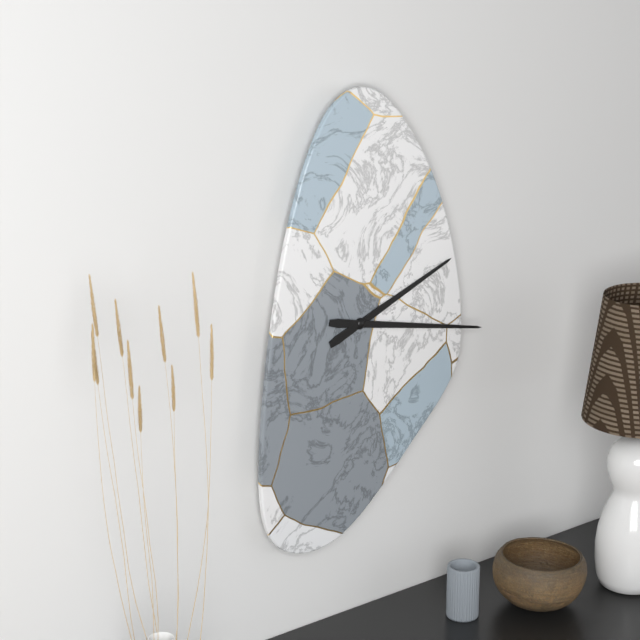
**2:17**
